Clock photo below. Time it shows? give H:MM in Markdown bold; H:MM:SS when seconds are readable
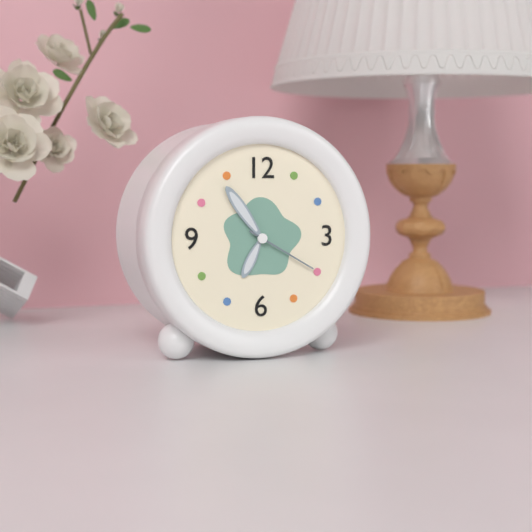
**6:54:20**
